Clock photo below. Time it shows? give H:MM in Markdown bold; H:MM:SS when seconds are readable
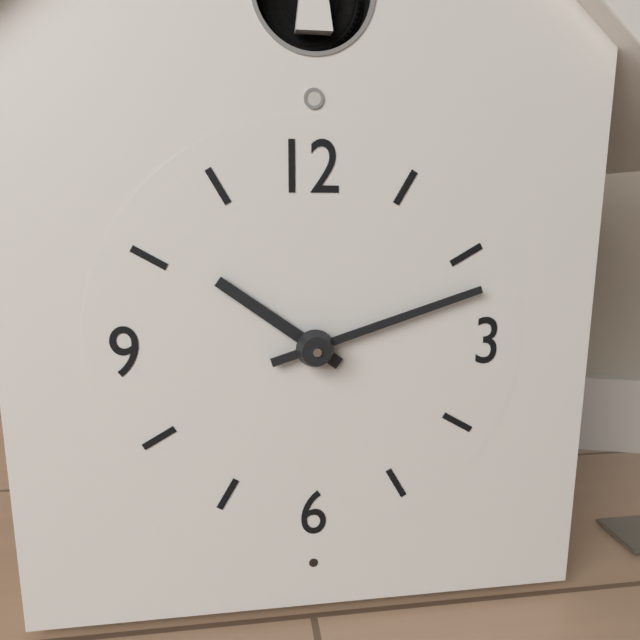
**10:12**
